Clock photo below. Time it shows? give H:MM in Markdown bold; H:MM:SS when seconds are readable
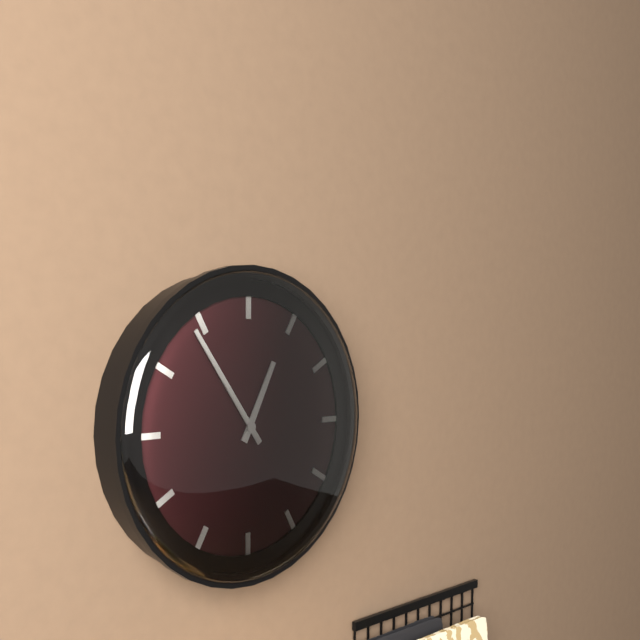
**12:54**
